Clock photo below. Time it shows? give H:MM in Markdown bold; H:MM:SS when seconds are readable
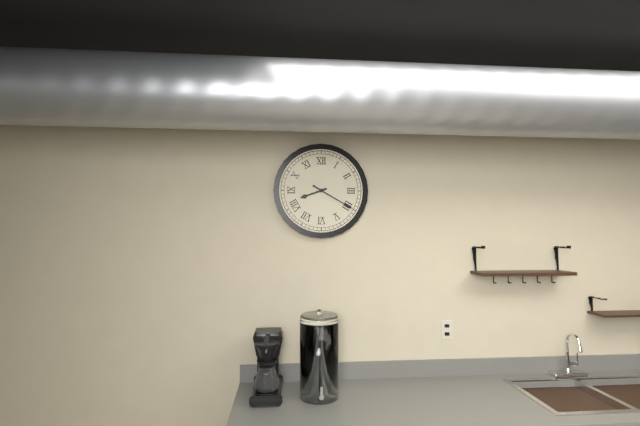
**8:20**
